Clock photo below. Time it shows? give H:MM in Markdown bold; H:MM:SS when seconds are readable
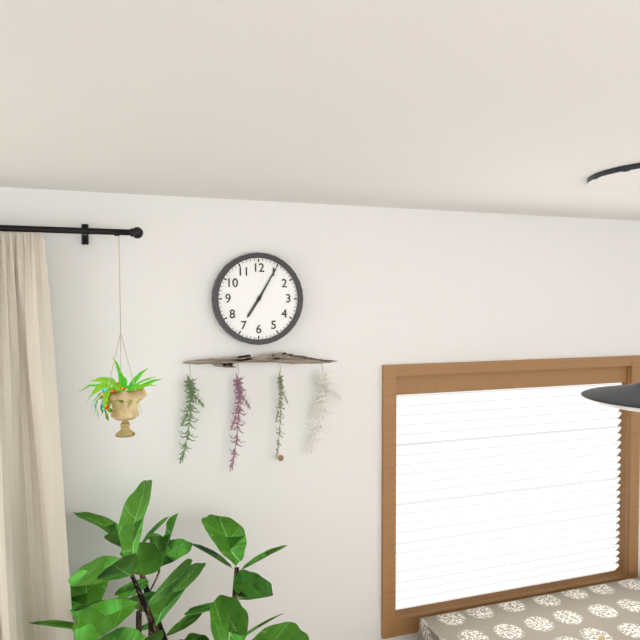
**7:05**
